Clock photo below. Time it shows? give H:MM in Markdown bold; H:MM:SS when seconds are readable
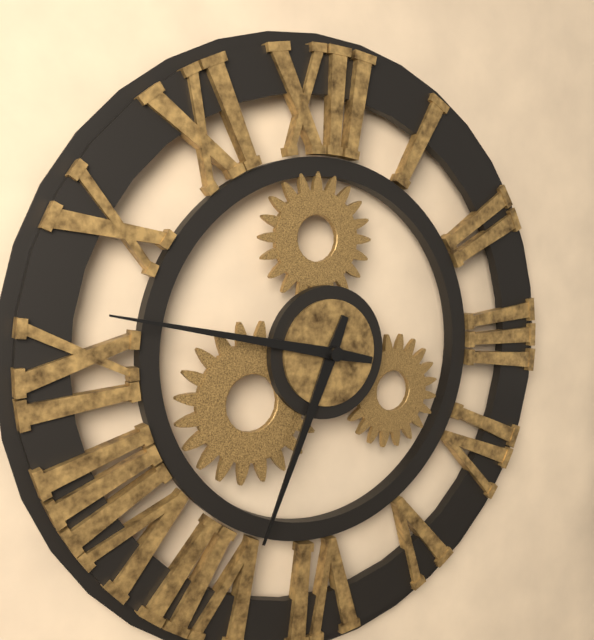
**6:47**
